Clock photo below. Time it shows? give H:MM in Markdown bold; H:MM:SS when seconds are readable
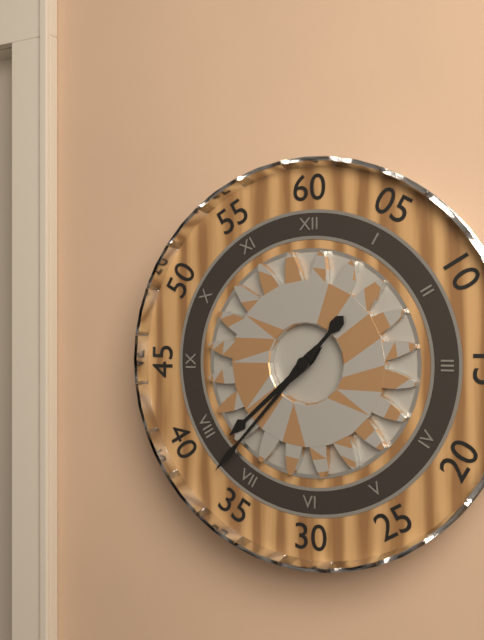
**7:37**
